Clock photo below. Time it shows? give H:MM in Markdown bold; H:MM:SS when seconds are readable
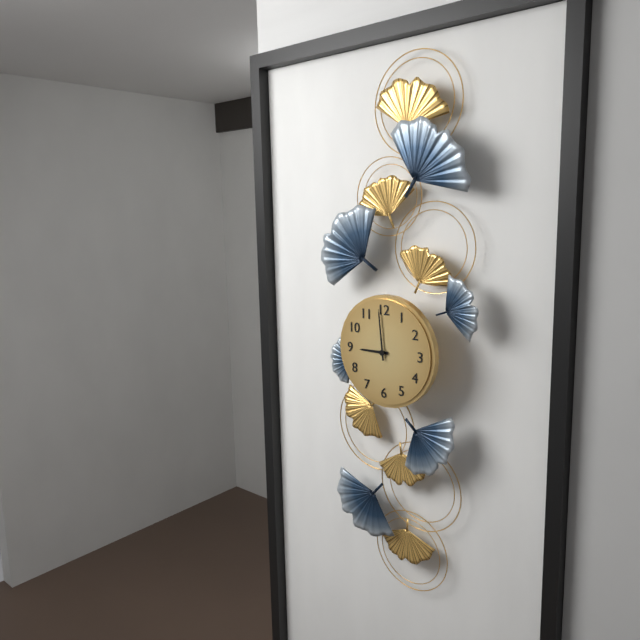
**8:59**
